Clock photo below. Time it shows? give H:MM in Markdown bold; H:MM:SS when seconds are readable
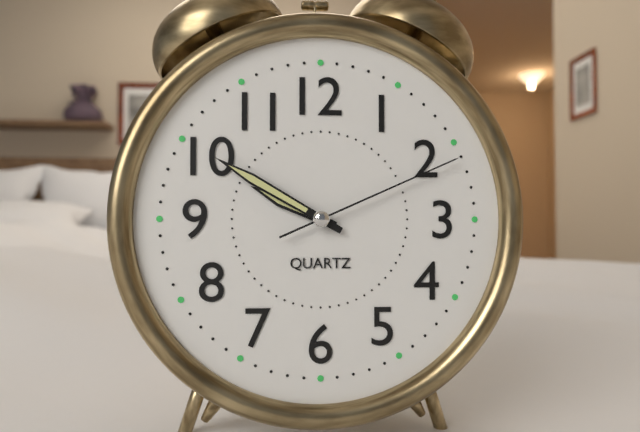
**9:50:11**
